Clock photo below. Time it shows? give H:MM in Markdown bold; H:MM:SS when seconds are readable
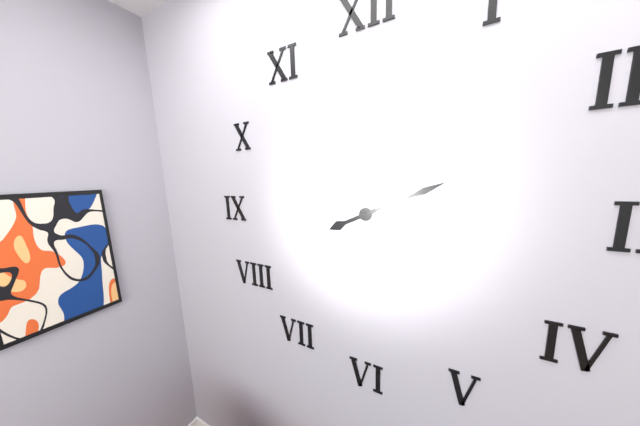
**8:11**
